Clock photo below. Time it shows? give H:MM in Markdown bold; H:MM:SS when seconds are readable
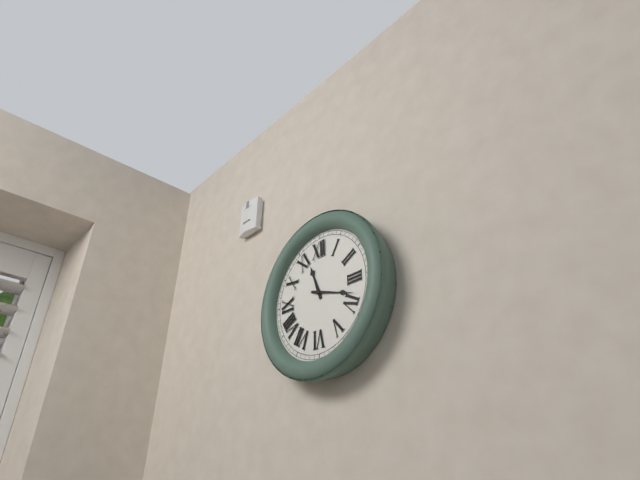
**11:18**
